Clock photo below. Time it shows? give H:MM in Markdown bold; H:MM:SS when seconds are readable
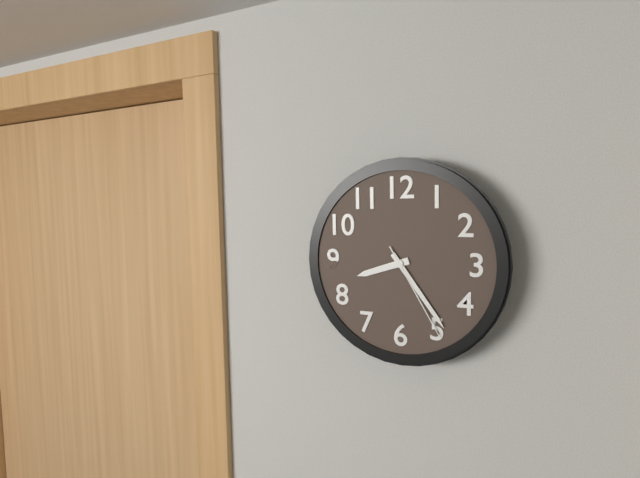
**8:24:25**
